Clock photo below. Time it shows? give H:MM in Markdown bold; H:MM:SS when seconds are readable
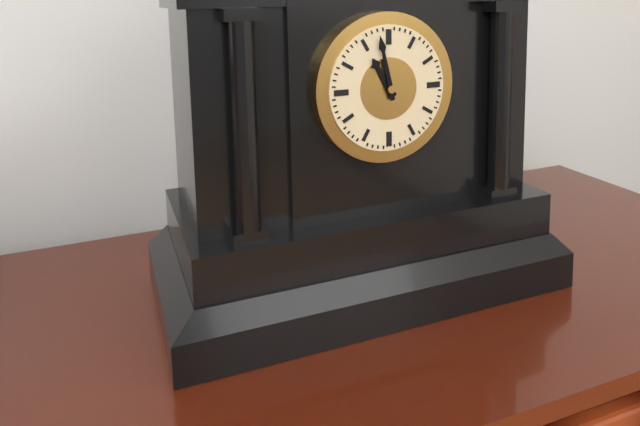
**10:58**
